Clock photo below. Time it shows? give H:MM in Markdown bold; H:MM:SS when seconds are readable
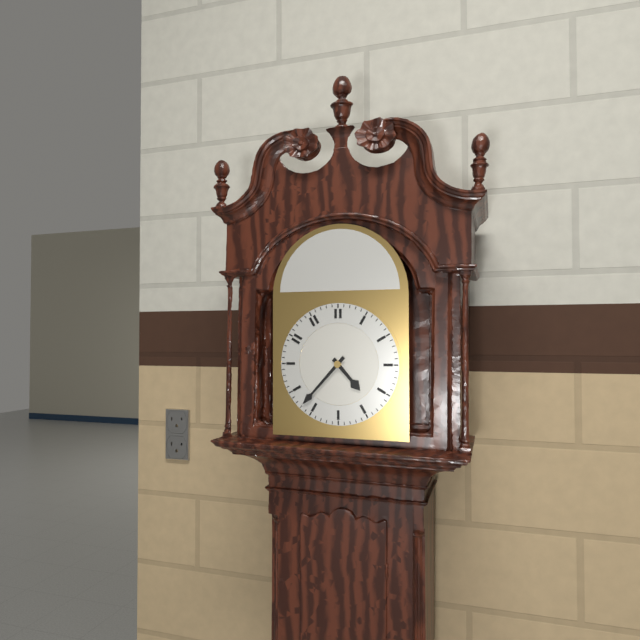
**4:37**
